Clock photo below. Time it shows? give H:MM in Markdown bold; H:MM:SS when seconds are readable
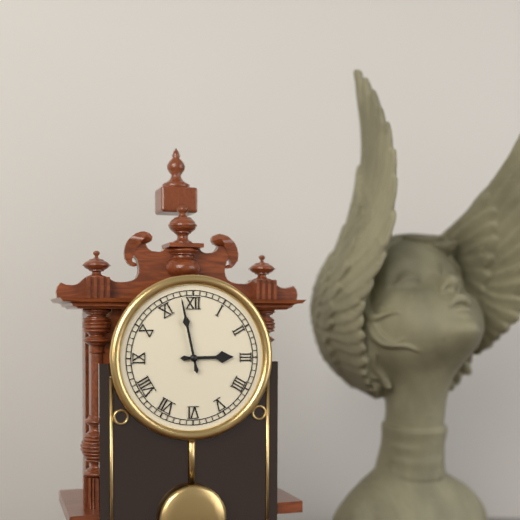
**2:58**
